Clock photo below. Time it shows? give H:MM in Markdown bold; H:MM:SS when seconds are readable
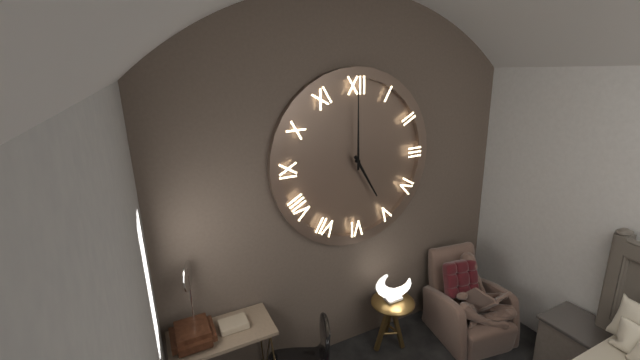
**5:00**
